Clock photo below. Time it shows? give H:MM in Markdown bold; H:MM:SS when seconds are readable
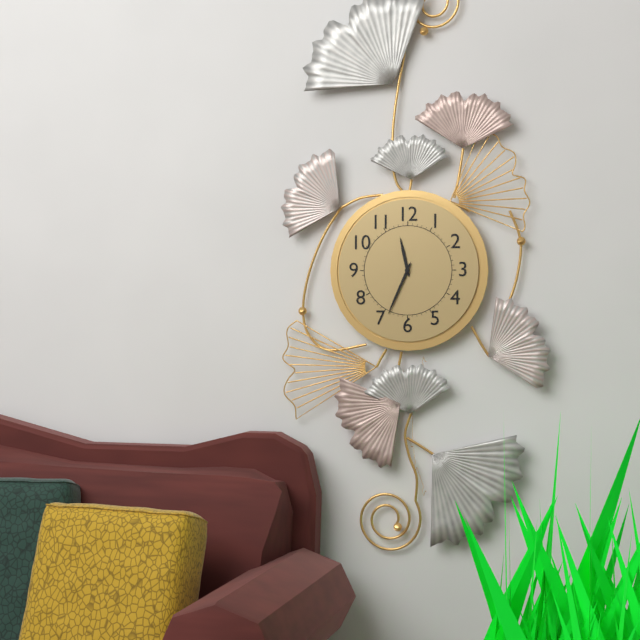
**11:34**
